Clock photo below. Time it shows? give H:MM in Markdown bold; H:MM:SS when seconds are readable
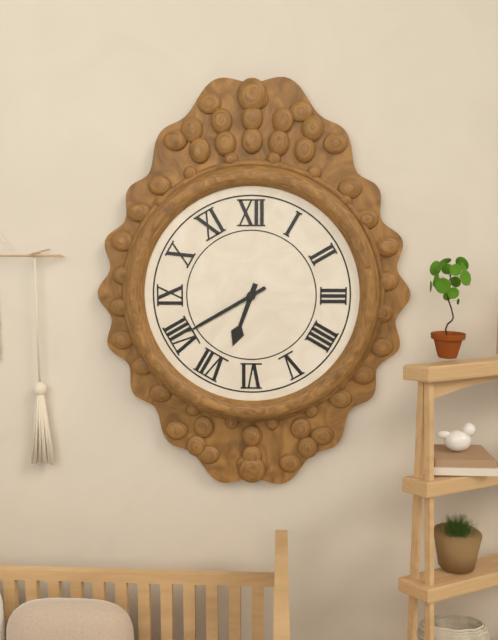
**6:40**
